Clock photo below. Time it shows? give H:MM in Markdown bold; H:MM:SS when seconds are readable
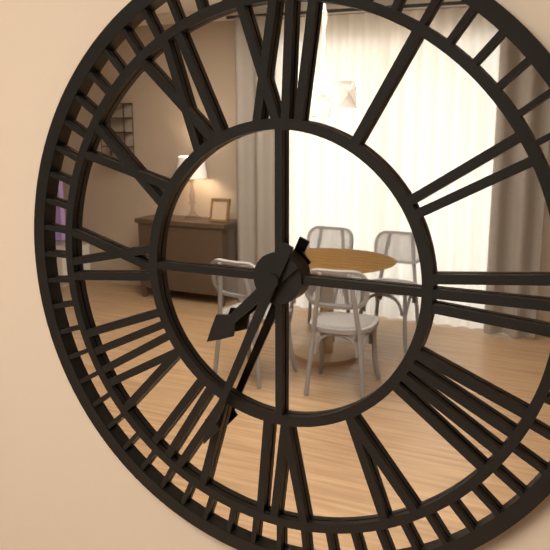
**7:34**
